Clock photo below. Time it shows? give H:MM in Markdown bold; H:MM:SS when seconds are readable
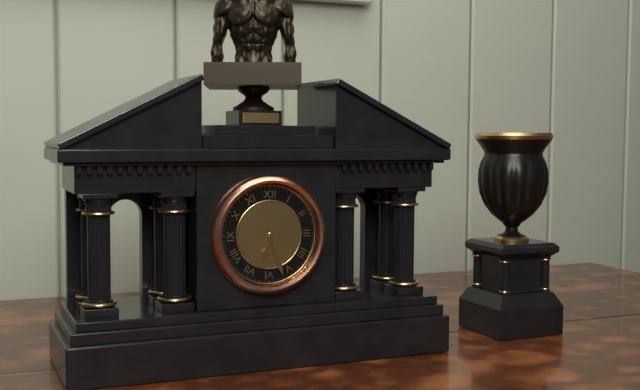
**6:27**
